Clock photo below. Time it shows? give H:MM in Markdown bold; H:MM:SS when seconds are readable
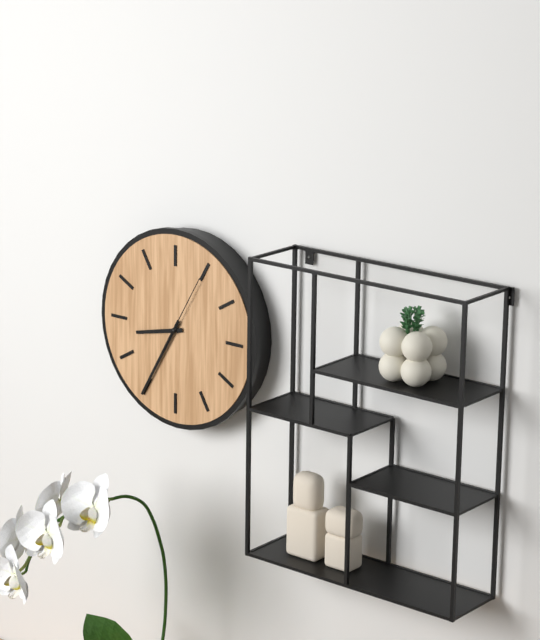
**8:35:05**
